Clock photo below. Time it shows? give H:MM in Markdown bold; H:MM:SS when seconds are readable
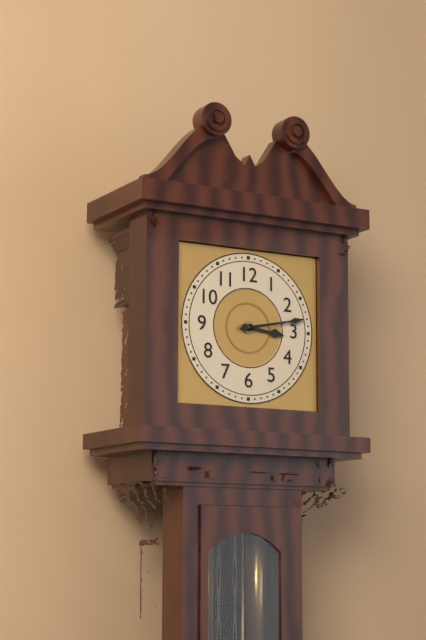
**3:13**
